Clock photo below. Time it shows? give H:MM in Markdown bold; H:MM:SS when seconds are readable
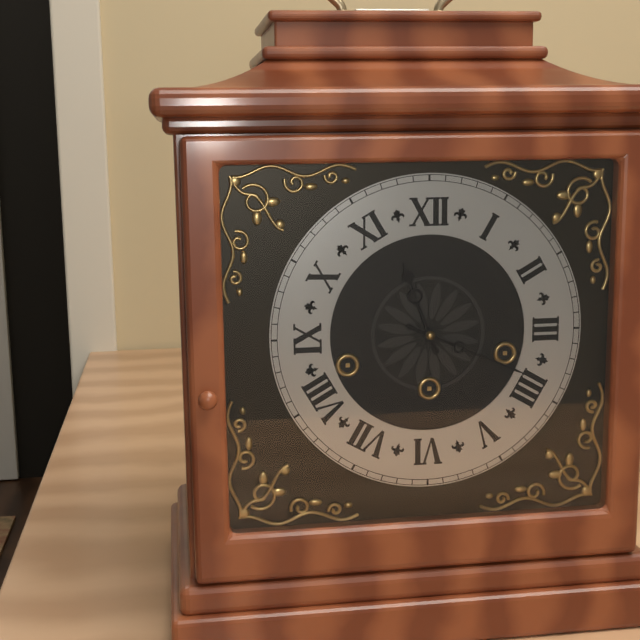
**11:19**
